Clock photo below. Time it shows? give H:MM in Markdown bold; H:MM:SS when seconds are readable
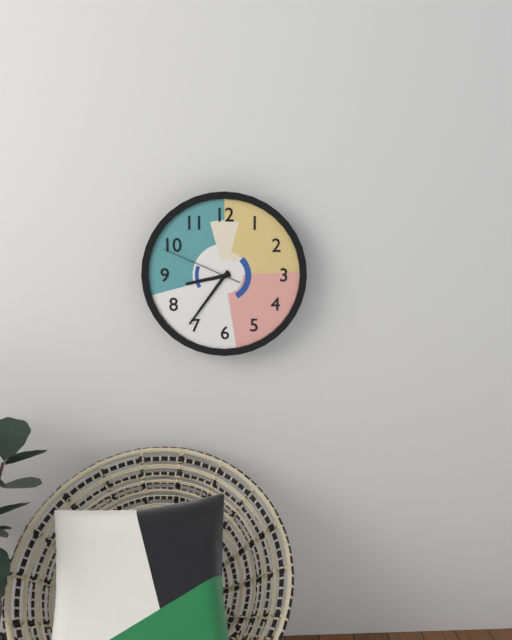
**8:36:49**
